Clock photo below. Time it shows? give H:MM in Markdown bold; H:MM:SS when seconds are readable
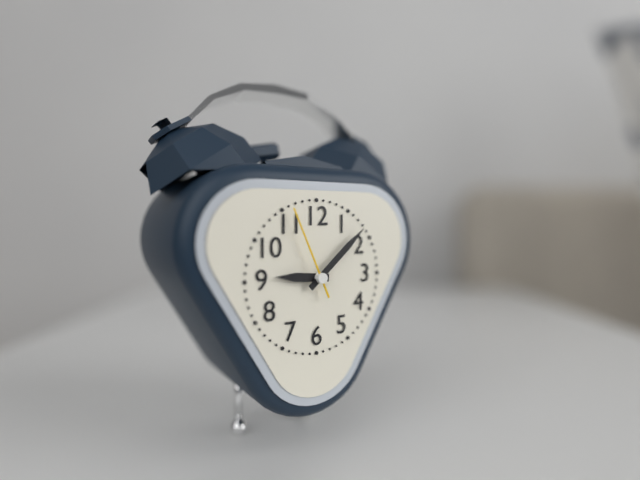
**9:08:56**
